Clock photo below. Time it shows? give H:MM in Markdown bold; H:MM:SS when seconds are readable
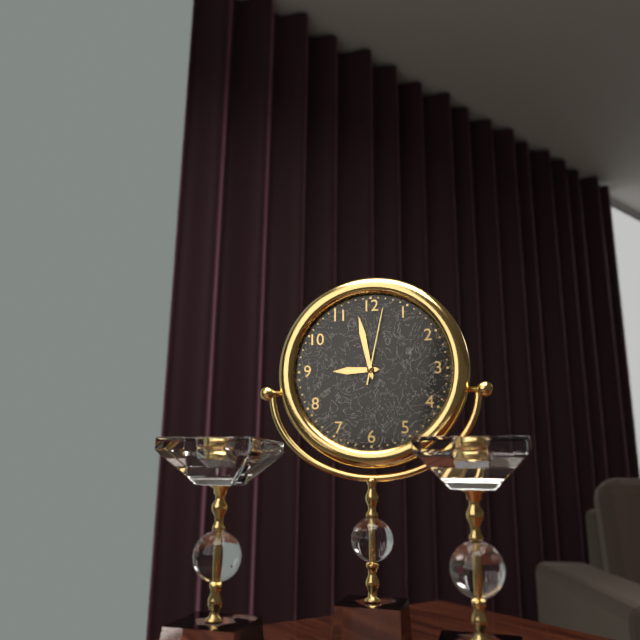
**8:58:02**
